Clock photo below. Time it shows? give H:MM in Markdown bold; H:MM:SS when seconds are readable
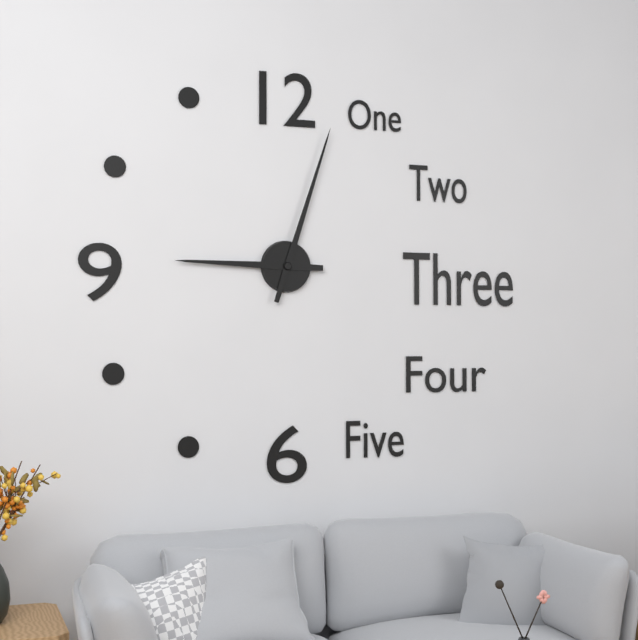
**9:03**
